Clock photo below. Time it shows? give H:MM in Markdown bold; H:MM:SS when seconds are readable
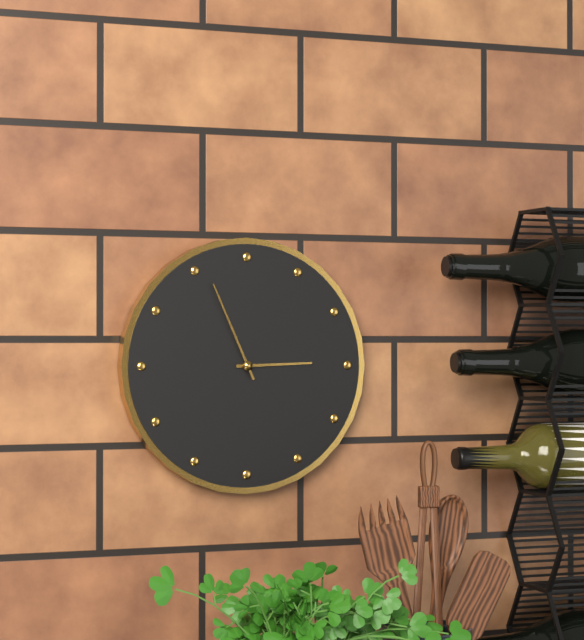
**2:56**
